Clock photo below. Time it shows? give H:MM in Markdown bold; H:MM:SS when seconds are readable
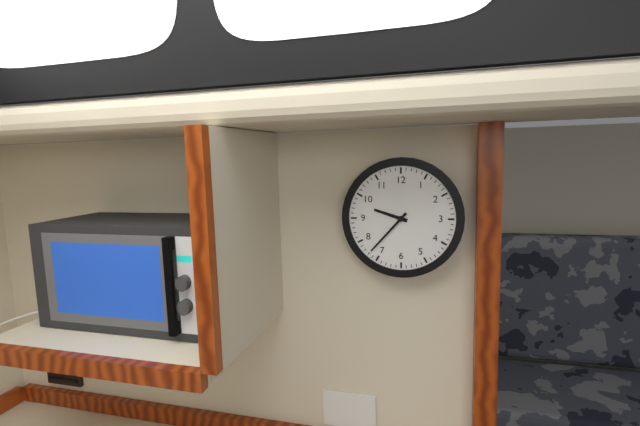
**9:37**
